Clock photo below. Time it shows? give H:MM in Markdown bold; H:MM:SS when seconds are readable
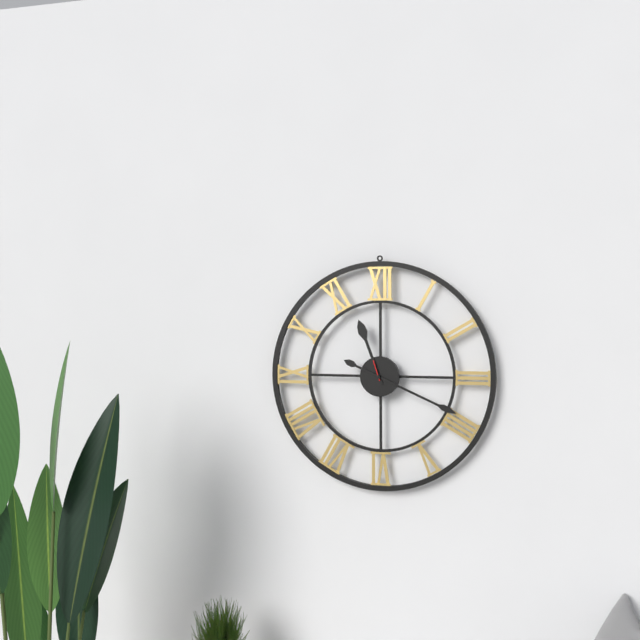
**11:19**
